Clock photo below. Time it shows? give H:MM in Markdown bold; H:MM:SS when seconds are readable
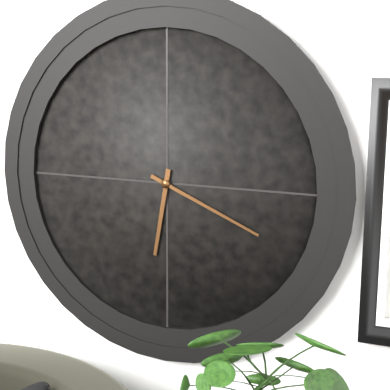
**6:19**
